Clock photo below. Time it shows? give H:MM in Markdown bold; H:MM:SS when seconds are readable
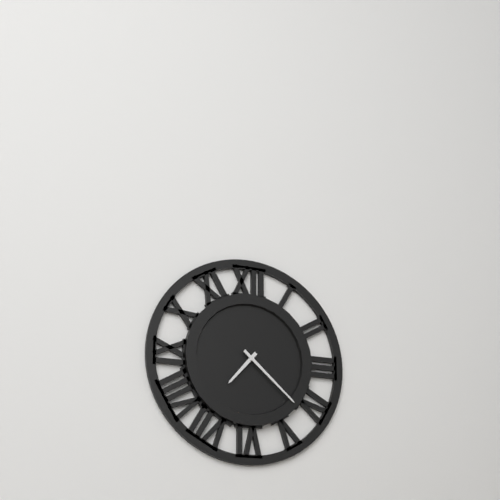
**7:22**
